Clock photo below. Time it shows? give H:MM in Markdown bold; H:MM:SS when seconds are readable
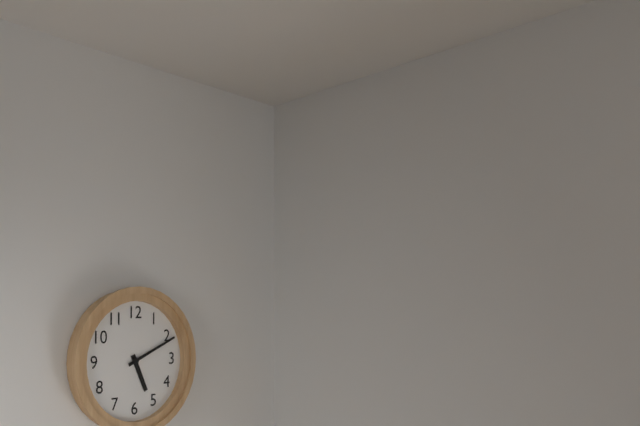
**5:11**
